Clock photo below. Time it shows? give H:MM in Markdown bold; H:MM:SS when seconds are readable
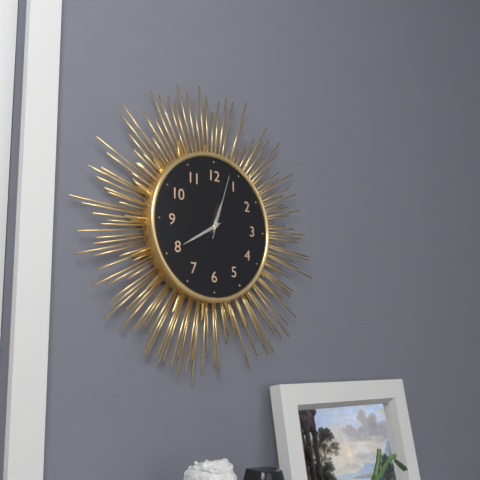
**12:40:03**
